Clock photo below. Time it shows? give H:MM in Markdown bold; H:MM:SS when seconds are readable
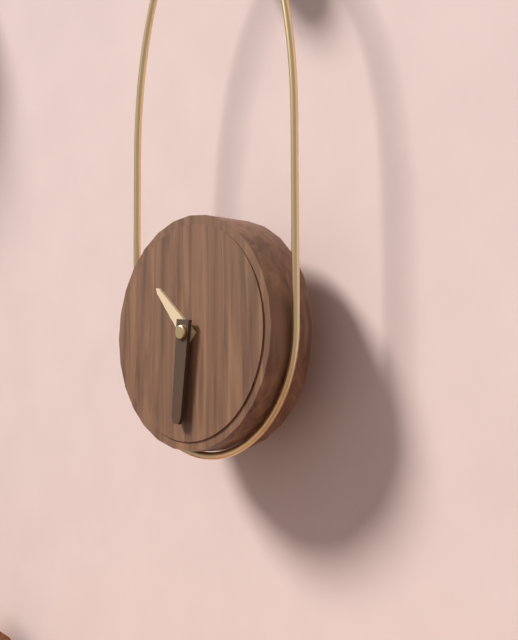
**10:31**
